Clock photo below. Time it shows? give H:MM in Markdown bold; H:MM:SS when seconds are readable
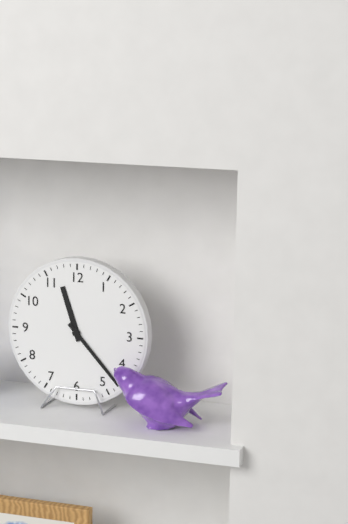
**11:23**
